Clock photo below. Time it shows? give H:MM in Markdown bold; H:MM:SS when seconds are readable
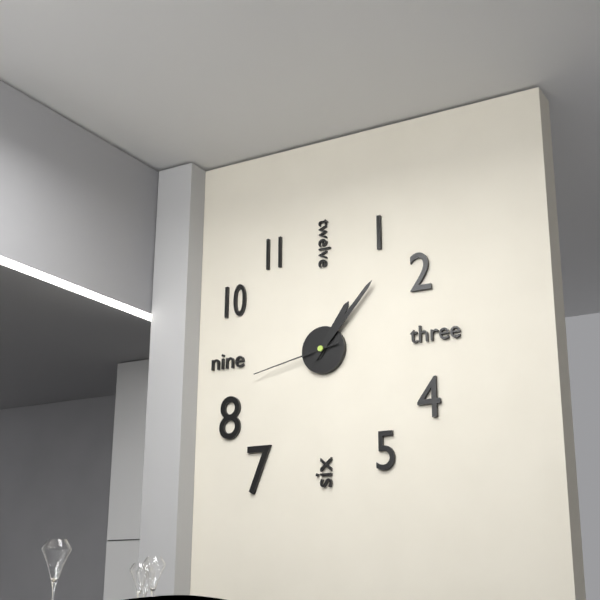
**1:07:43**
